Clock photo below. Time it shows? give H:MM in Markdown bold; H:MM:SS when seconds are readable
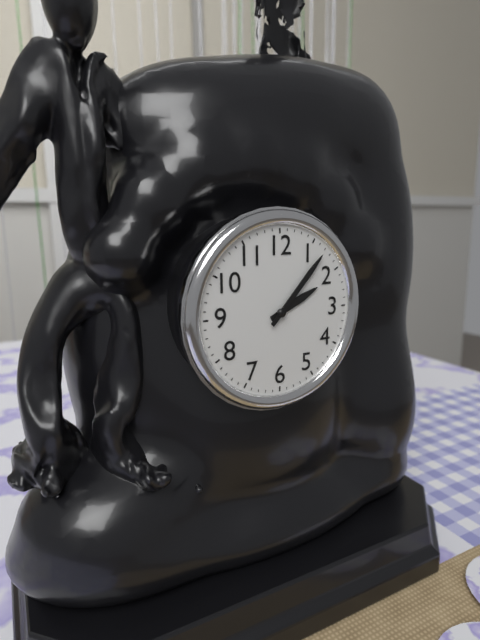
**2:07**
